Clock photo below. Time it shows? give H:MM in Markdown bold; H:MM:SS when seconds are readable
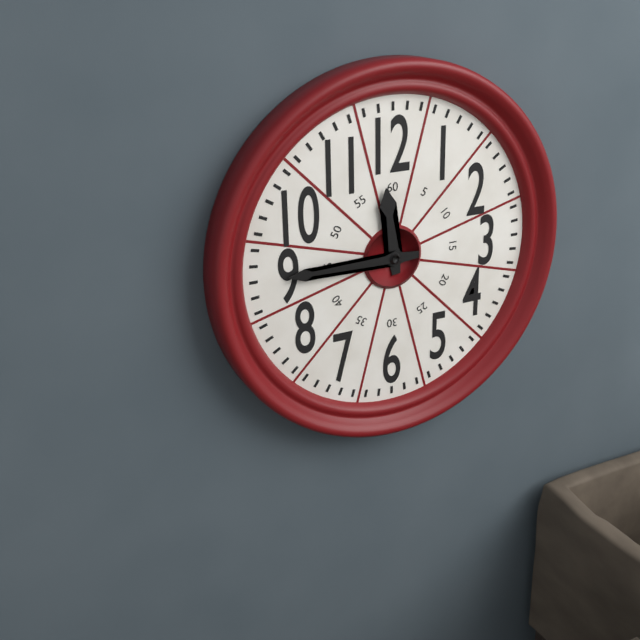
**11:45**
